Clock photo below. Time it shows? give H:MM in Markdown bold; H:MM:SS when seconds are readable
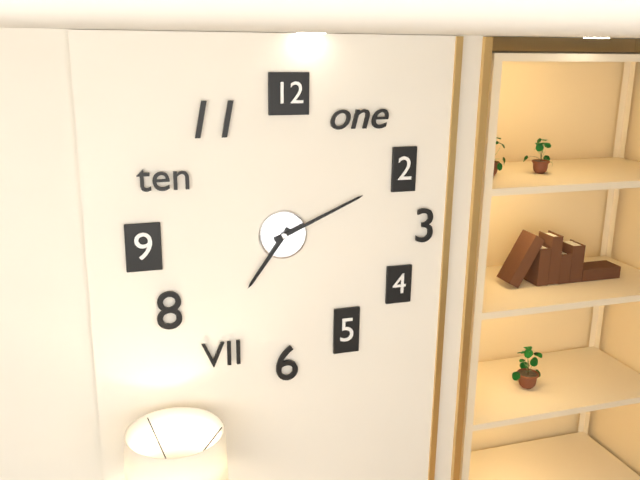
**7:11**
